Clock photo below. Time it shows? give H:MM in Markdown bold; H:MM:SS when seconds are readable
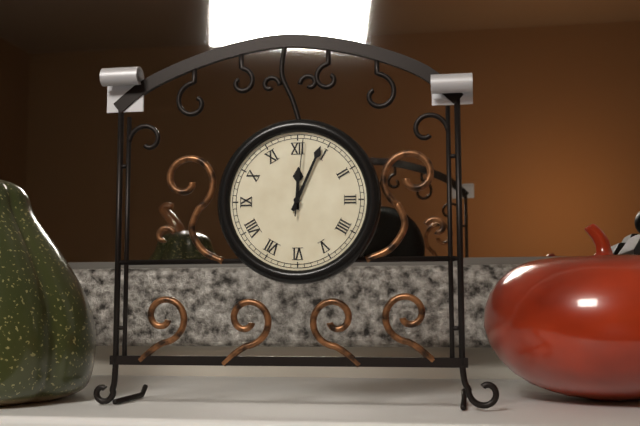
**12:04:01**
